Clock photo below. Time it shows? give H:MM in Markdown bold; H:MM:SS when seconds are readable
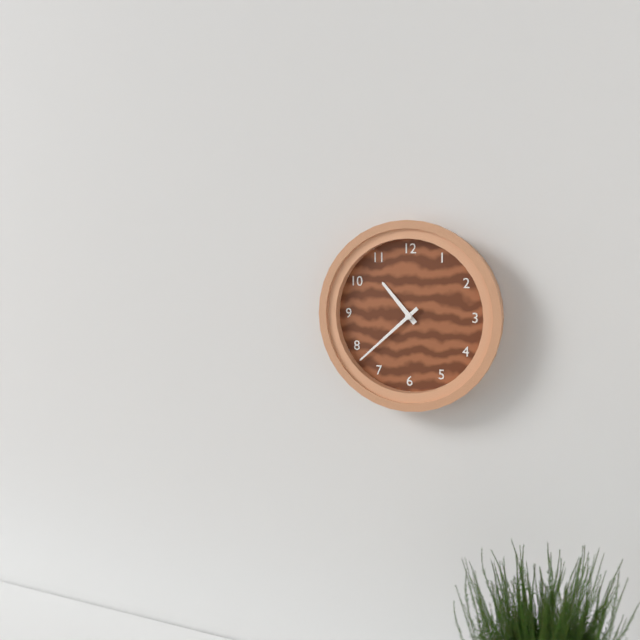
**10:38**
